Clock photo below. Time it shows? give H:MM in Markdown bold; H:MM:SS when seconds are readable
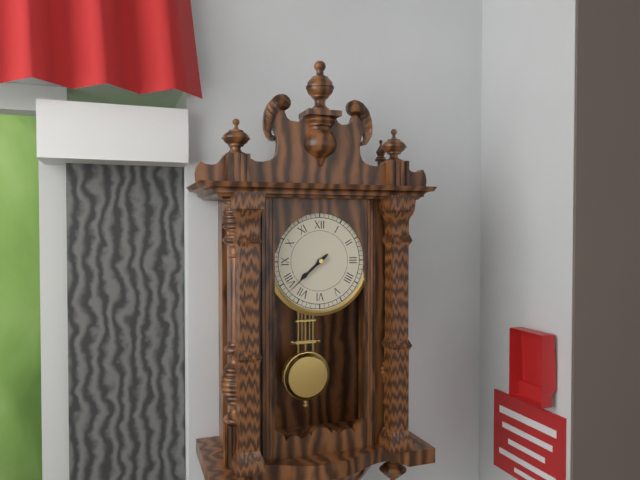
**7:38**
